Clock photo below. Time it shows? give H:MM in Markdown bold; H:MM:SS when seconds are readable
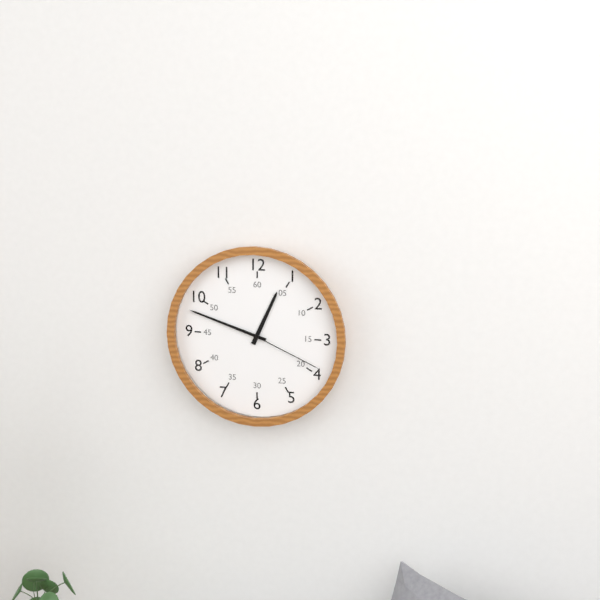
**12:48:19**
